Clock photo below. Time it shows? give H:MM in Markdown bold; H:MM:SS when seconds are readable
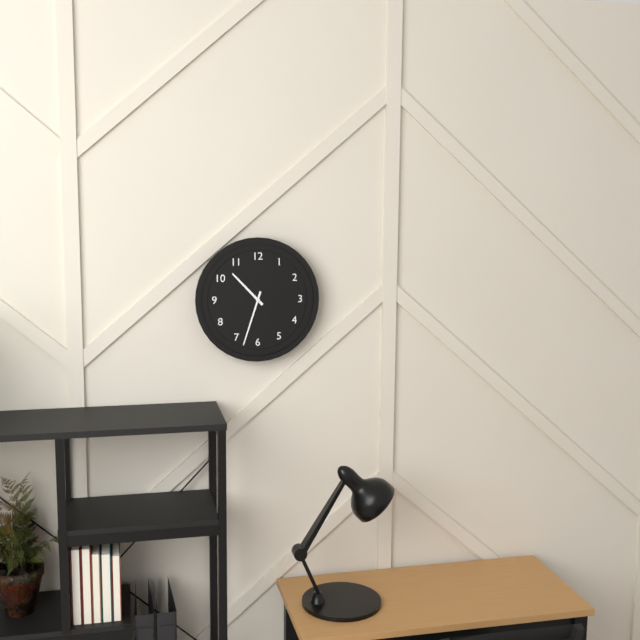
**10:33**
